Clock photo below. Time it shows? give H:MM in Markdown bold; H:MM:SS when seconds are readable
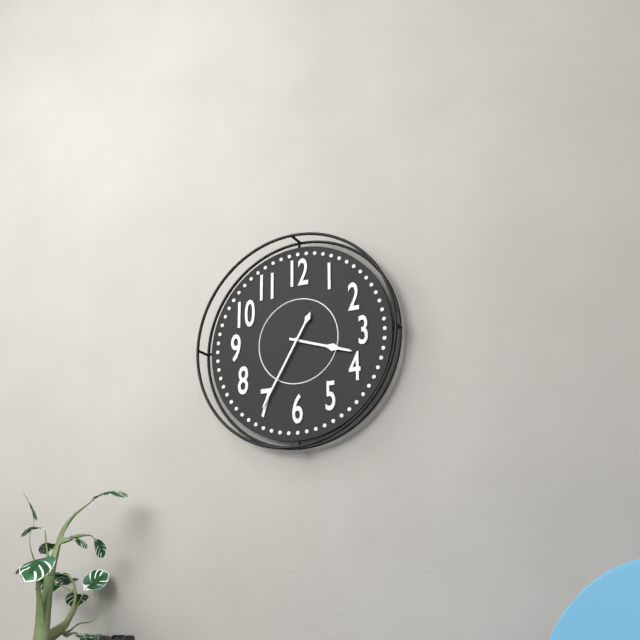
**3:35**
